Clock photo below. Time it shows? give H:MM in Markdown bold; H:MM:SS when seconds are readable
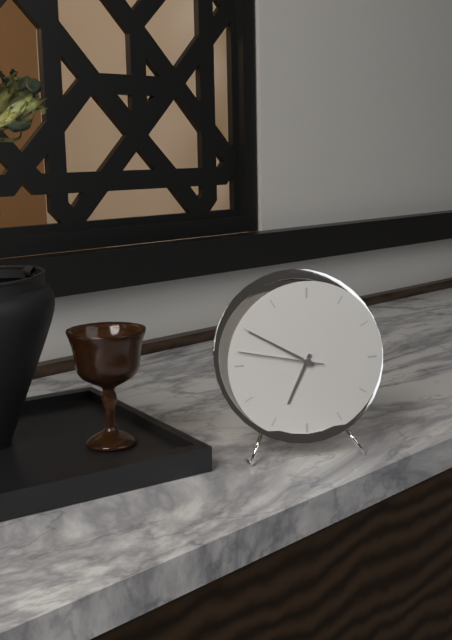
**6:50:47**
